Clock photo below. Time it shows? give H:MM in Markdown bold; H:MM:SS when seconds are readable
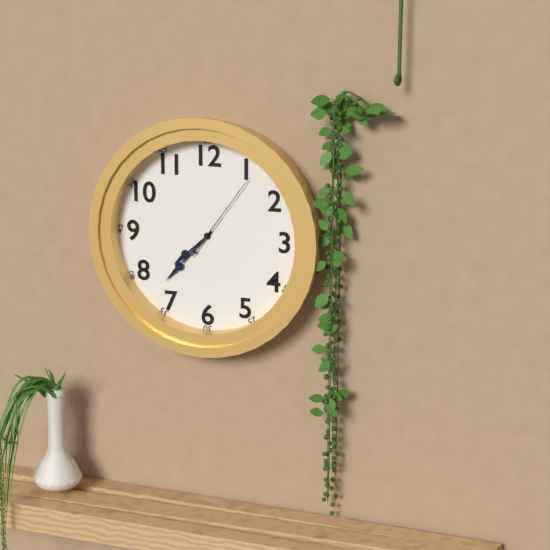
**7:37:06**
